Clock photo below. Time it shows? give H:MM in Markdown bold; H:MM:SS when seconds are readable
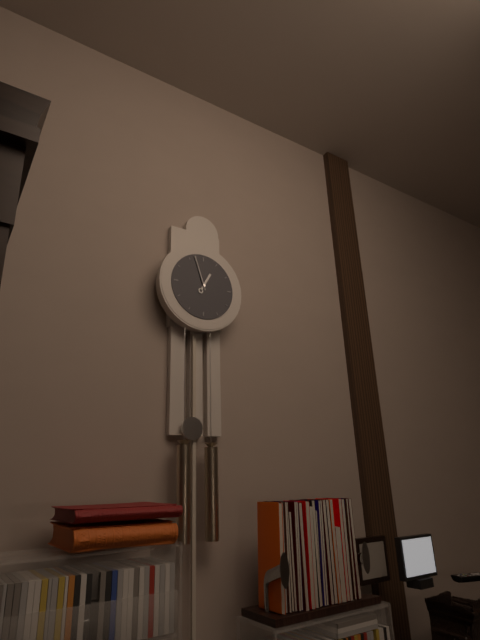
**12:57**
